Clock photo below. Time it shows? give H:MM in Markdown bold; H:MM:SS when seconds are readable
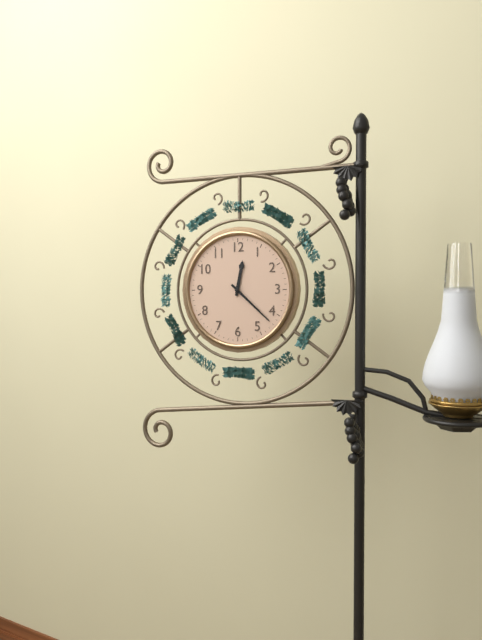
**12:22**
